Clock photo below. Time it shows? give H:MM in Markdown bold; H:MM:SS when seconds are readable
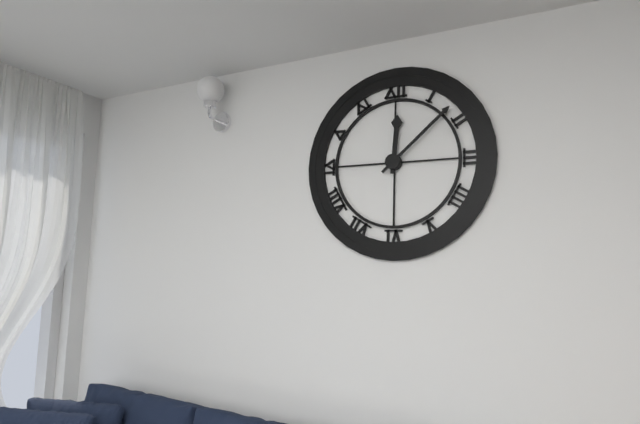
**12:08**
